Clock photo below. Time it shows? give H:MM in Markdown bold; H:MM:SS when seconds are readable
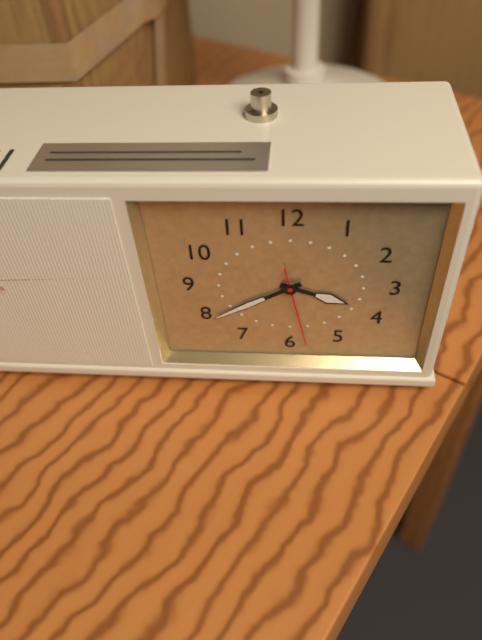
**3:40:28**
